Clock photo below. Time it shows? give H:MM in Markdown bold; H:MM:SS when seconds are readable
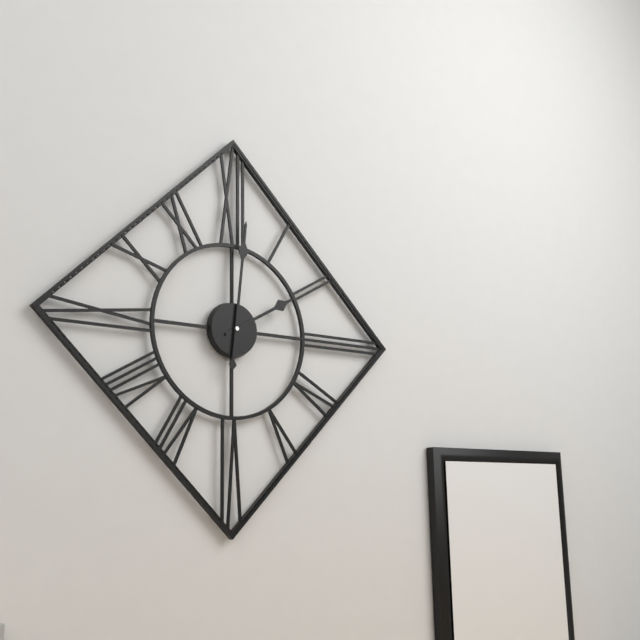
**2:01**
